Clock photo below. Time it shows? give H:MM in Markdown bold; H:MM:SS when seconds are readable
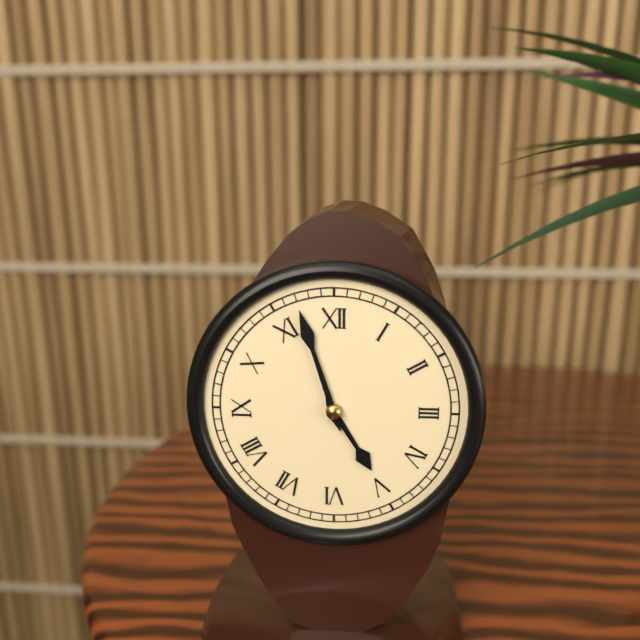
**4:57**
